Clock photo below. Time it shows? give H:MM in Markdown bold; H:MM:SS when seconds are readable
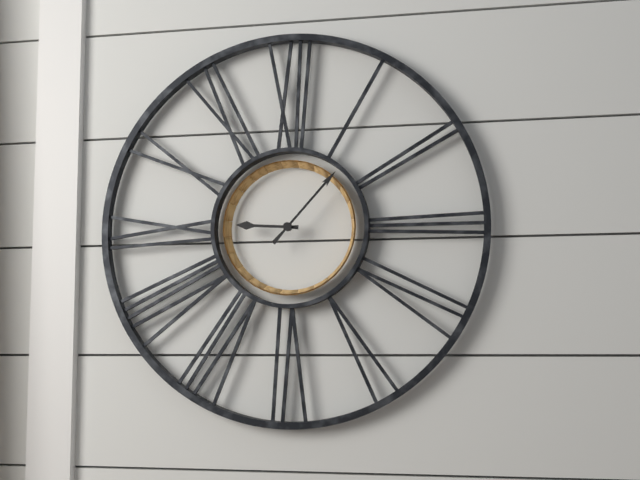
**9:07**
